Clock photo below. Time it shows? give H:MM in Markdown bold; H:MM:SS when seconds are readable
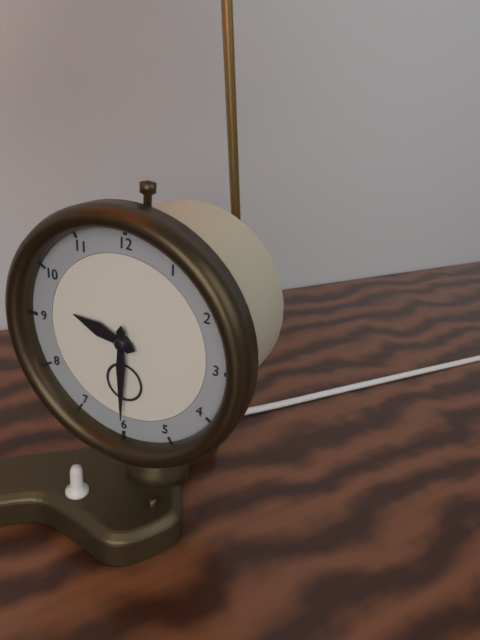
**9:30**
